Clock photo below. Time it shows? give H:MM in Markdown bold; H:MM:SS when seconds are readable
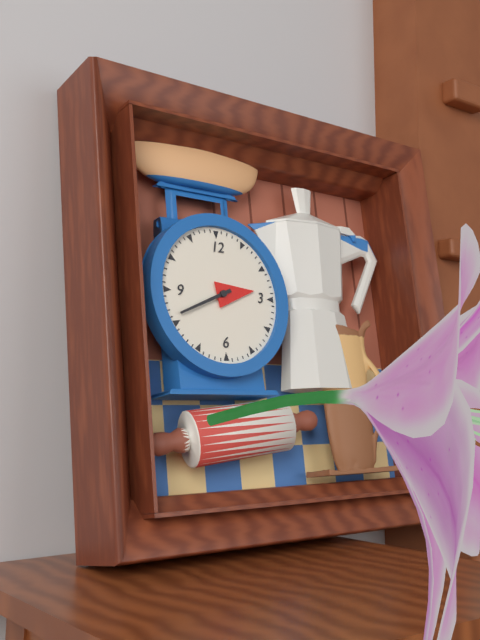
**2:41**
